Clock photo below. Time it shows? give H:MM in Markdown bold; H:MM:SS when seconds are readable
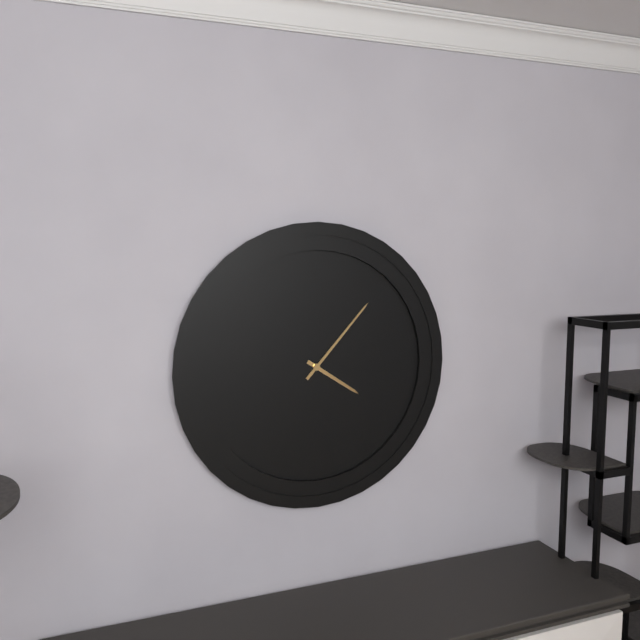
**4:07**
